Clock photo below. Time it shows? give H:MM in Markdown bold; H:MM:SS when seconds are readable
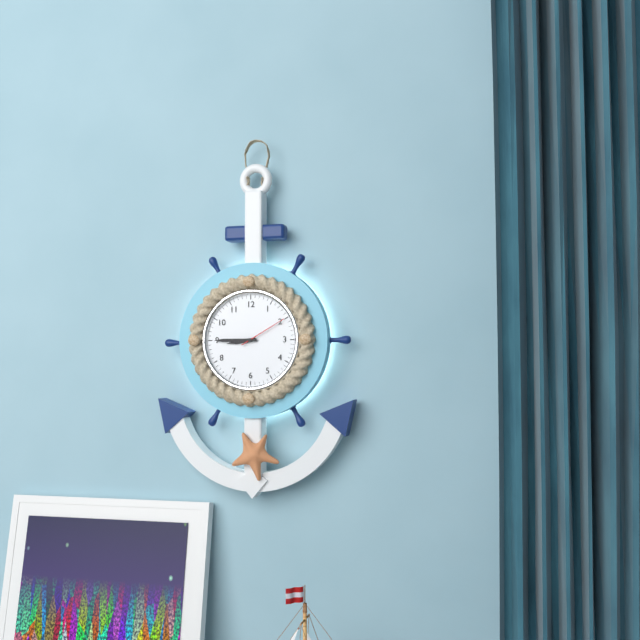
**8:45:10**
